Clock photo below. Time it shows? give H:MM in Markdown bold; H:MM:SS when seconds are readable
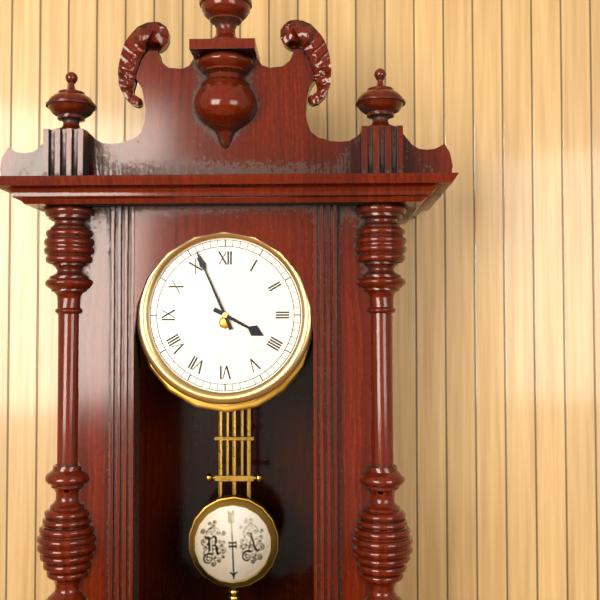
**3:56**
